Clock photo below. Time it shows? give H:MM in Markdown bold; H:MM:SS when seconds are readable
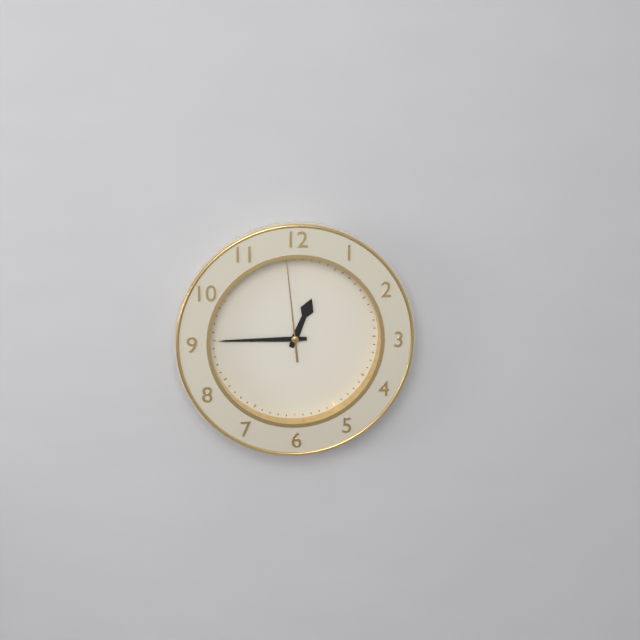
**12:45:59**
